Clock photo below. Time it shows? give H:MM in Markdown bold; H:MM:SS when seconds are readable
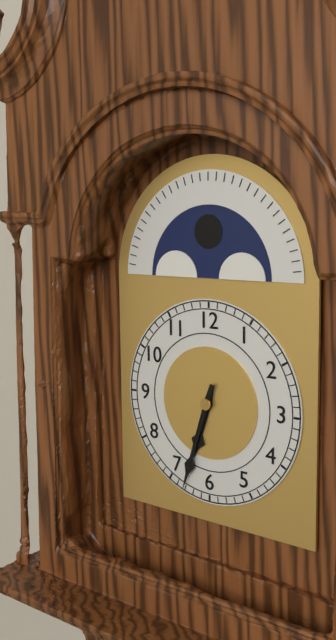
**6:33**
